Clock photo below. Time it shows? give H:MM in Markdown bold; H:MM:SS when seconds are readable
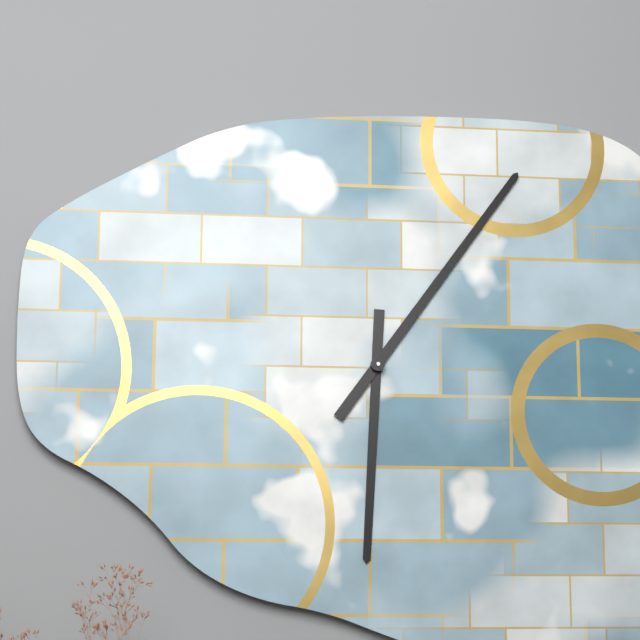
**6:06**
